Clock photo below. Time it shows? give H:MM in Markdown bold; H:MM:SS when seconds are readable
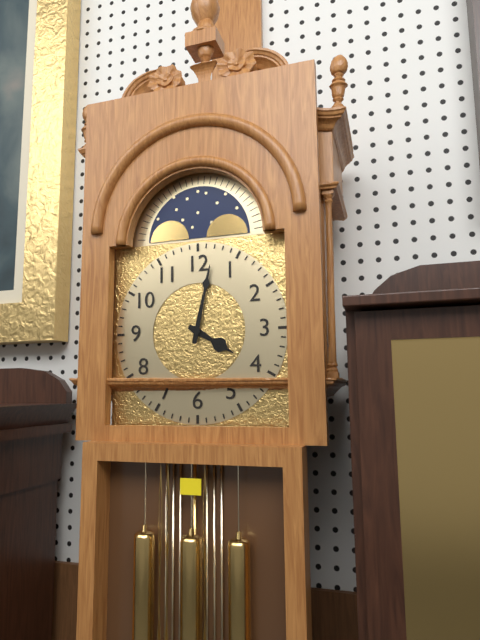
**4:02**
